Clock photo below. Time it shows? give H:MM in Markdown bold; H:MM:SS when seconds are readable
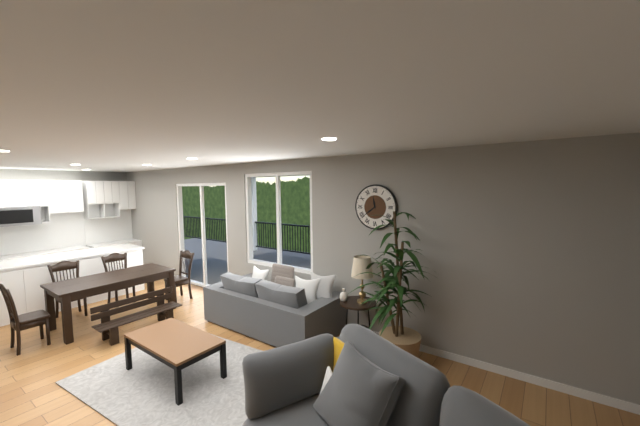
**11:39**
